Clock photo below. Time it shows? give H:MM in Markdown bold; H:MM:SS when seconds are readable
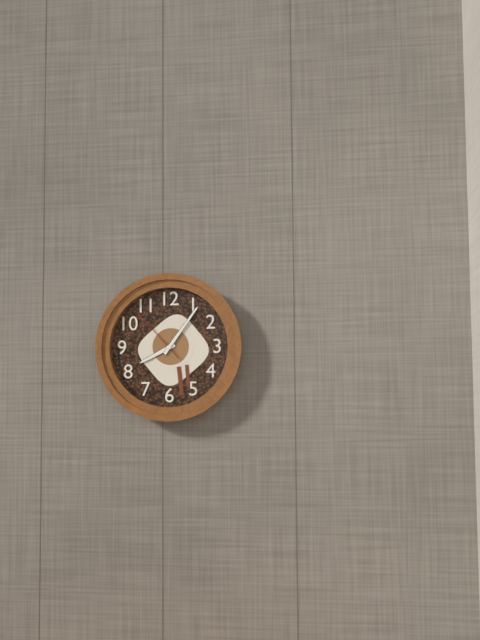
**8:06:53**
